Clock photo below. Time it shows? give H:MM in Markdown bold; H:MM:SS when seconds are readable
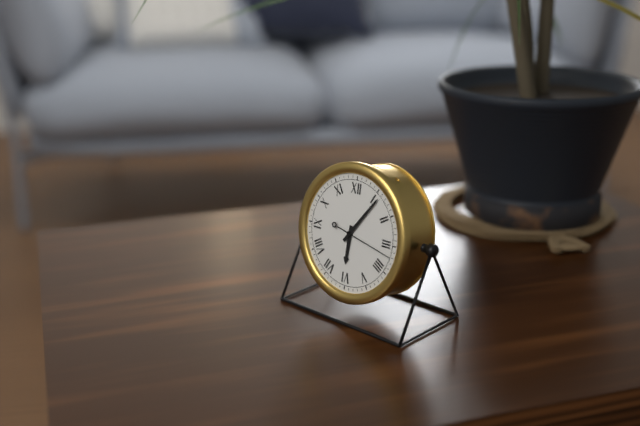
**6:06:17**
